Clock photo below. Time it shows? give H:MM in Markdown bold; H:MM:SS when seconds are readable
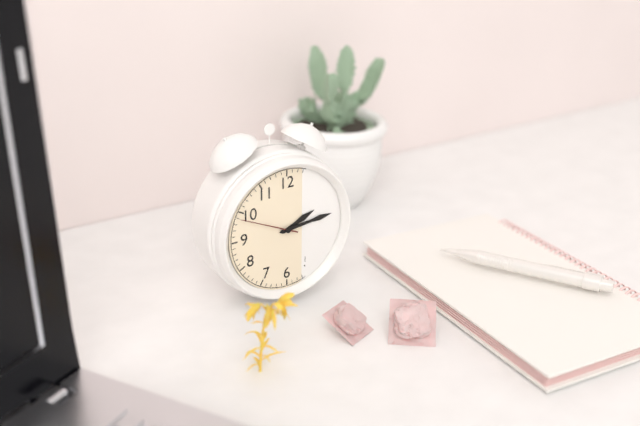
**2:14:49**
